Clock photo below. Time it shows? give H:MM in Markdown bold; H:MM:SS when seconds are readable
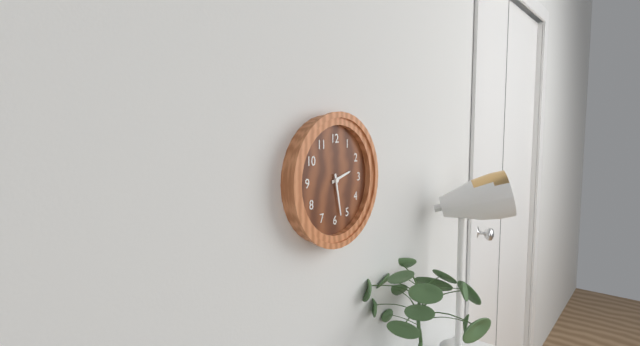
**2:28**
